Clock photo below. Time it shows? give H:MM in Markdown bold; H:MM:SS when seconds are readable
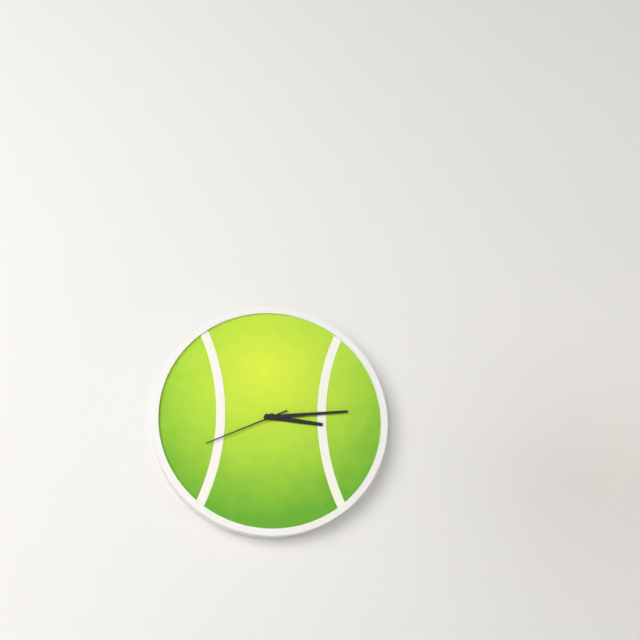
**3:14:41**
